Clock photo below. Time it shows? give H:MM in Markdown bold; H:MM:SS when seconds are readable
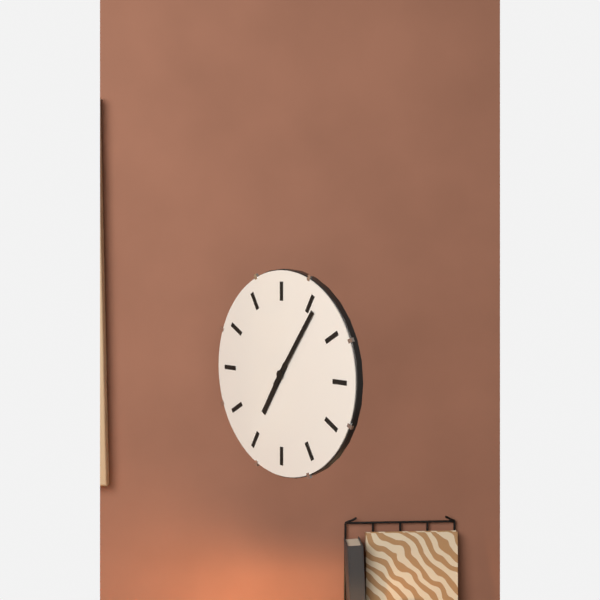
**7:06**
